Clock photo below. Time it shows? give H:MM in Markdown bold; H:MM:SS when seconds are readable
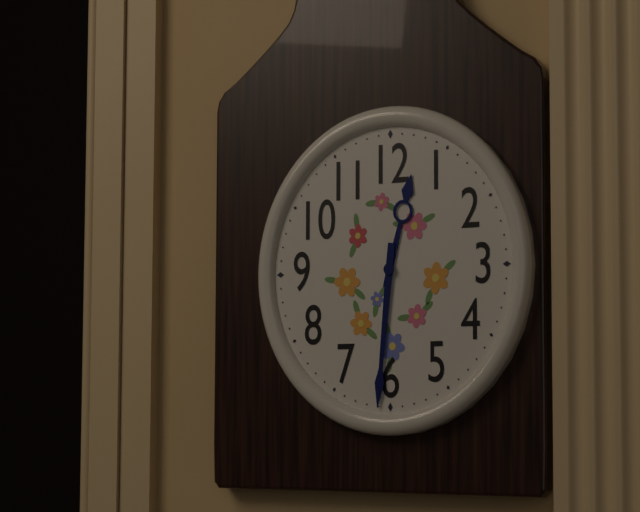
**12:31**
